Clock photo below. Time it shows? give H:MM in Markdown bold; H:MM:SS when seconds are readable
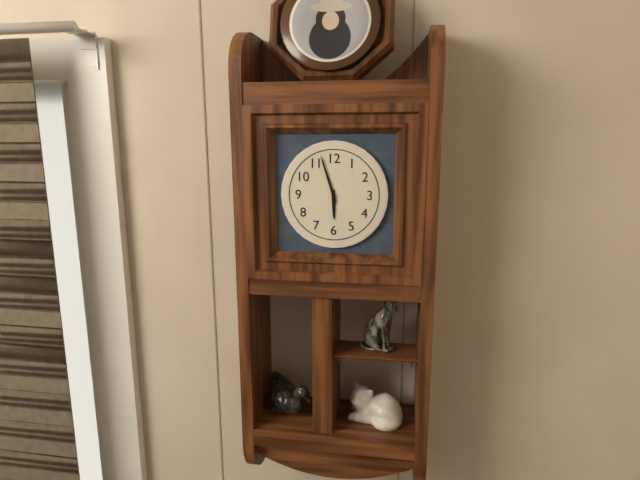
**5:57**
